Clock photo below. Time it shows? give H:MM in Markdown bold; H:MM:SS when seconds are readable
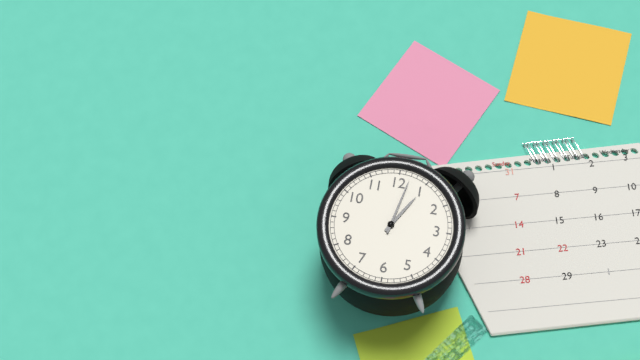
**1:02**
